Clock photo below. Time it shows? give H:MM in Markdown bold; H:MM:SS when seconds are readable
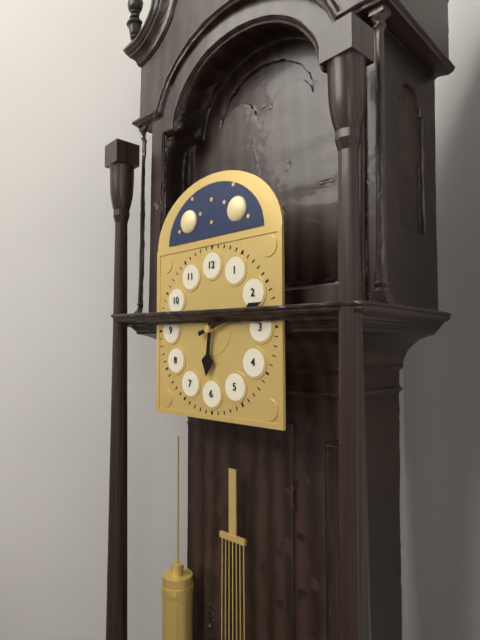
**6:12**
